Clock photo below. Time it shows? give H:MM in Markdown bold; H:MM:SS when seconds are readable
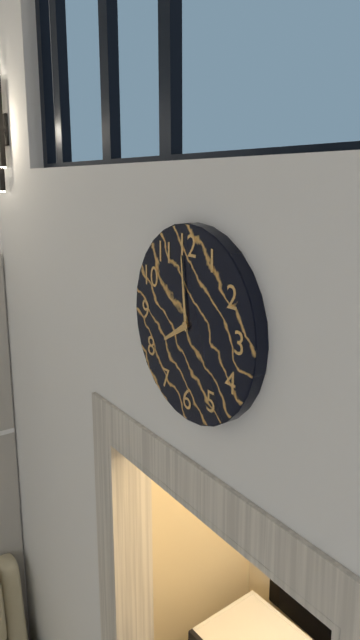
**7:59**
